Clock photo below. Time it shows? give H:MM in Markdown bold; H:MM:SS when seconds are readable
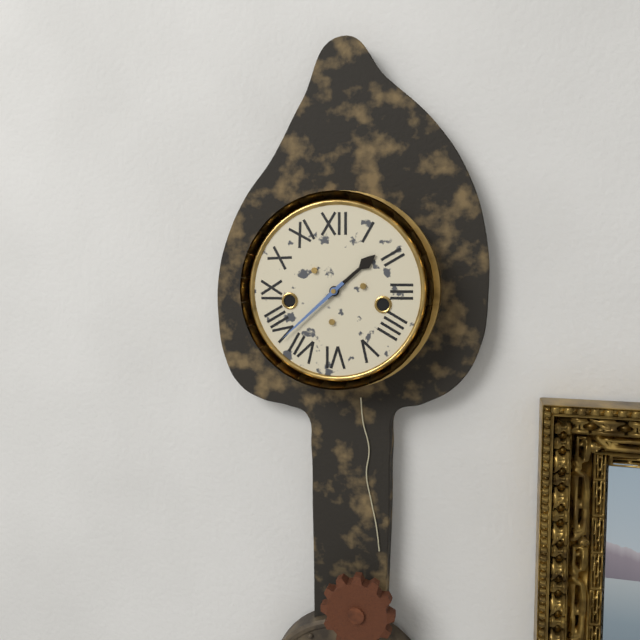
**1:38**
